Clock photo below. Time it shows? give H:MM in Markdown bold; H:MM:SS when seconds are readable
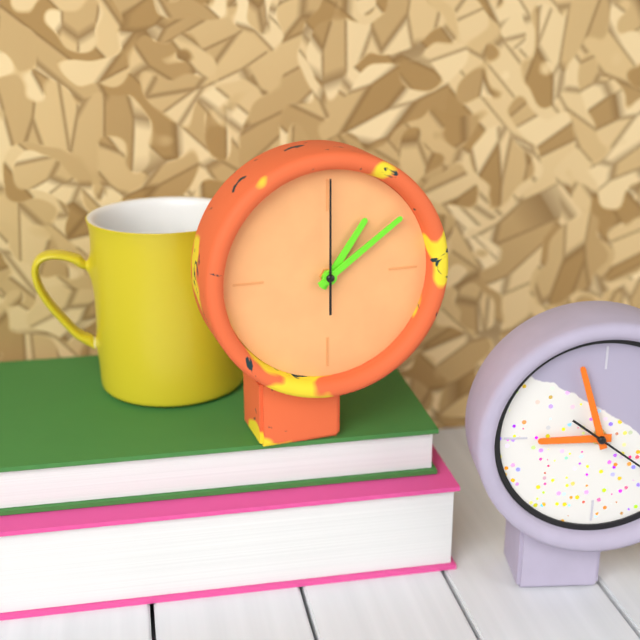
**1:09:00**
